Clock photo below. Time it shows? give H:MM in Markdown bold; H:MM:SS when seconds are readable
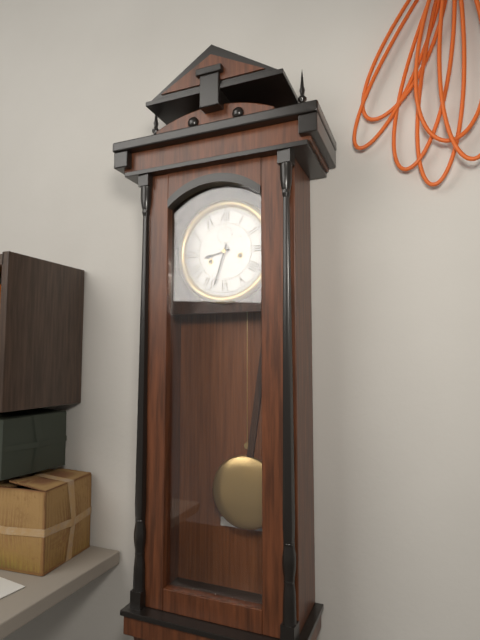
**8:33**
